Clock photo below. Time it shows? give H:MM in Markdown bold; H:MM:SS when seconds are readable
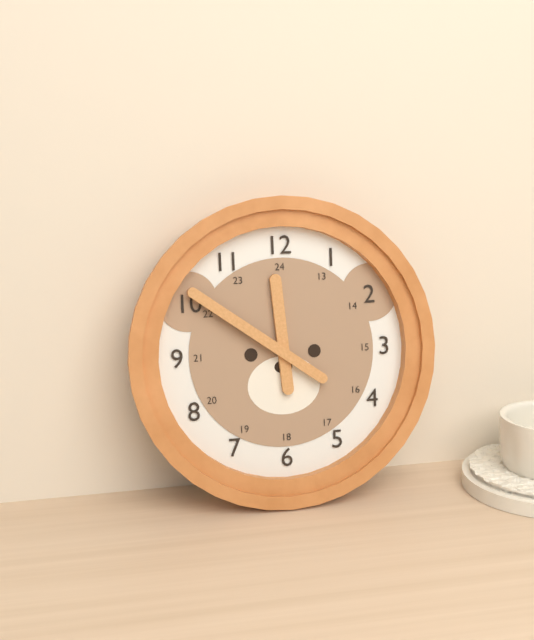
**11:51**
